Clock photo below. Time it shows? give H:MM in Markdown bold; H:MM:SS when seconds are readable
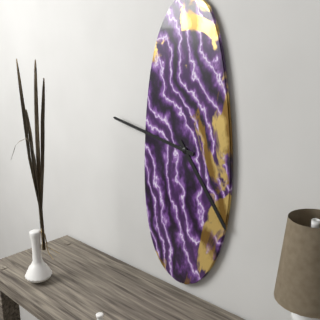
**4:47**
